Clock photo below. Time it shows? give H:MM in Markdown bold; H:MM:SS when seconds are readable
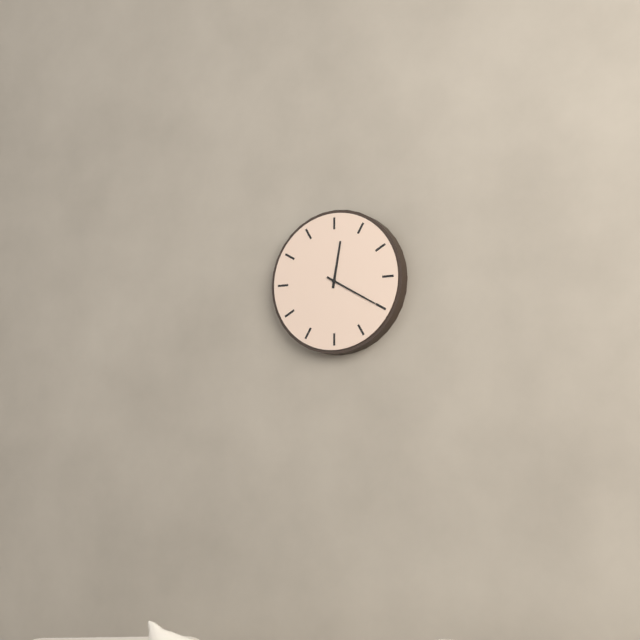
**12:20**
